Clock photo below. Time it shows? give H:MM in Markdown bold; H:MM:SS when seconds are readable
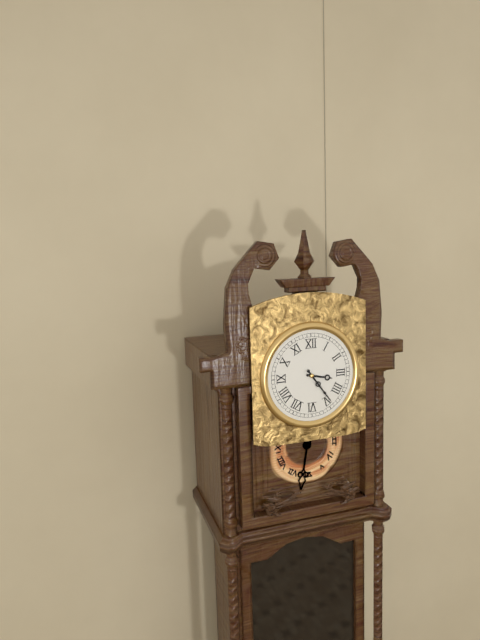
**3:24**
